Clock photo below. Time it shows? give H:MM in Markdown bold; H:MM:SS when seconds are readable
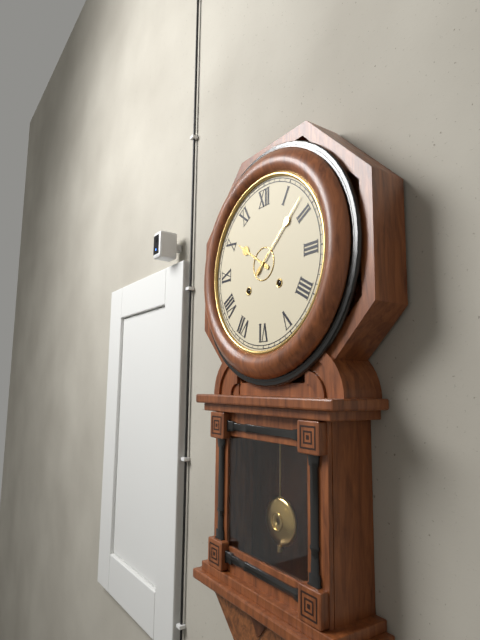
**10:08**
